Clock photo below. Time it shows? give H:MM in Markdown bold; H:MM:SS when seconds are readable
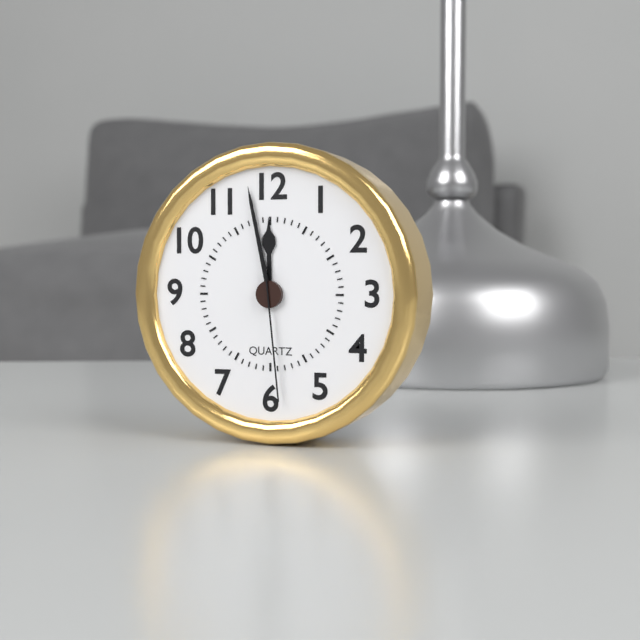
**11:58:29**
